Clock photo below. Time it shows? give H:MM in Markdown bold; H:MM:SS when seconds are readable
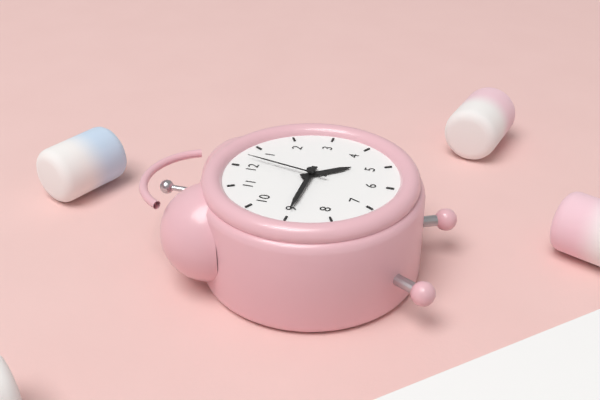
**4:45:02**
